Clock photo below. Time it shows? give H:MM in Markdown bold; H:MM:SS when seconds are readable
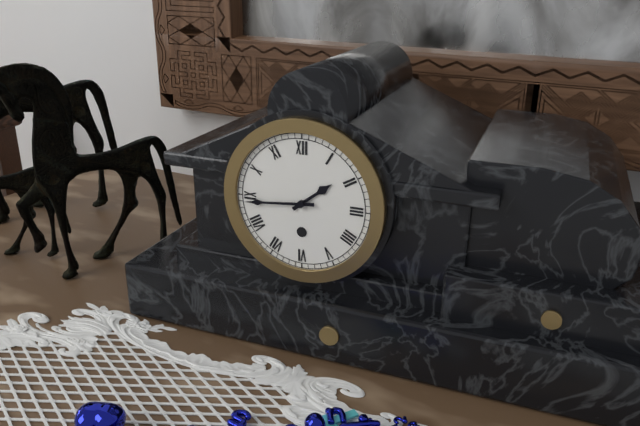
**1:44**
